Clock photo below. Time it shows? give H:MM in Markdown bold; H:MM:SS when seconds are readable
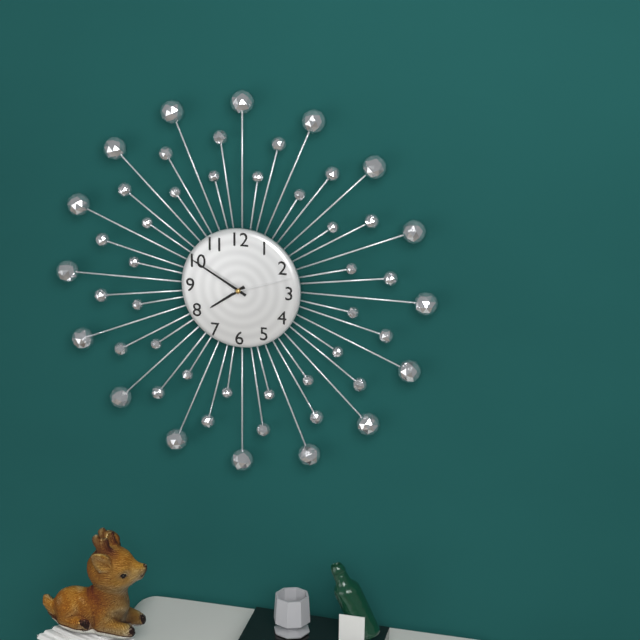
**7:50:12**
